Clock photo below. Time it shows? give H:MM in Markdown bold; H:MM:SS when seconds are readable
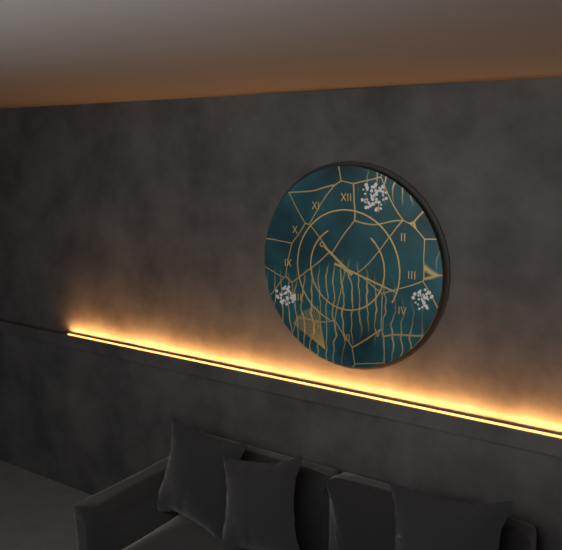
**10:18**
